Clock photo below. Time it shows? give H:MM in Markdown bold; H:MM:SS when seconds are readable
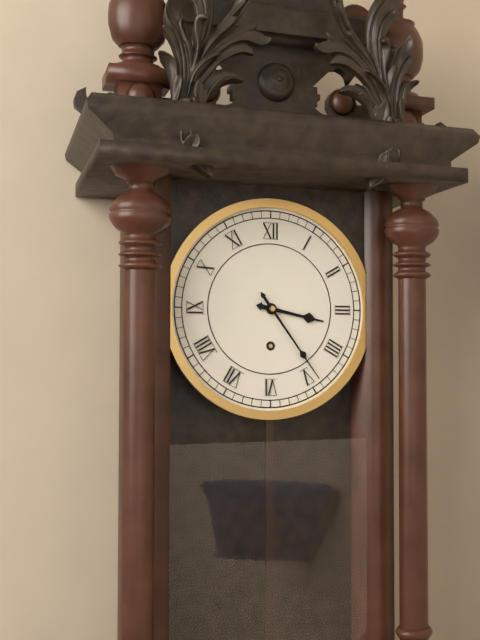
**3:24**
